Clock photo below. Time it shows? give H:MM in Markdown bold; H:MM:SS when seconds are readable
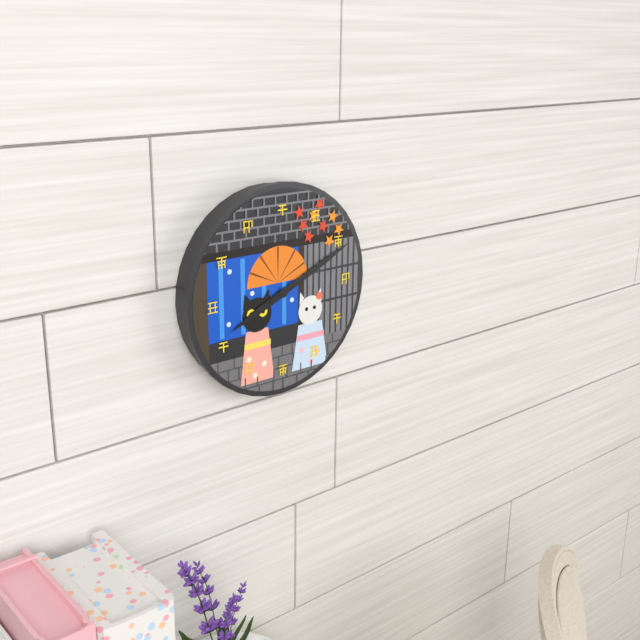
**8:11**
